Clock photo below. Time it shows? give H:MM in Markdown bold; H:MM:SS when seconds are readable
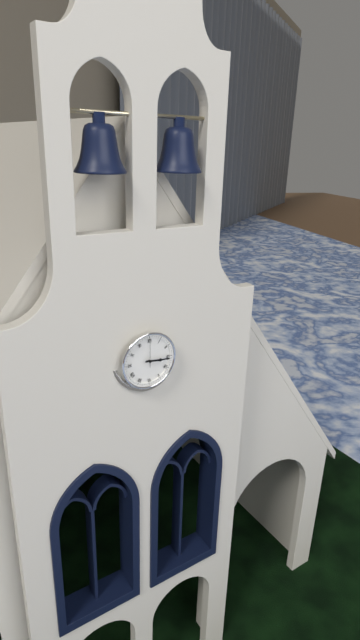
**3:16**
